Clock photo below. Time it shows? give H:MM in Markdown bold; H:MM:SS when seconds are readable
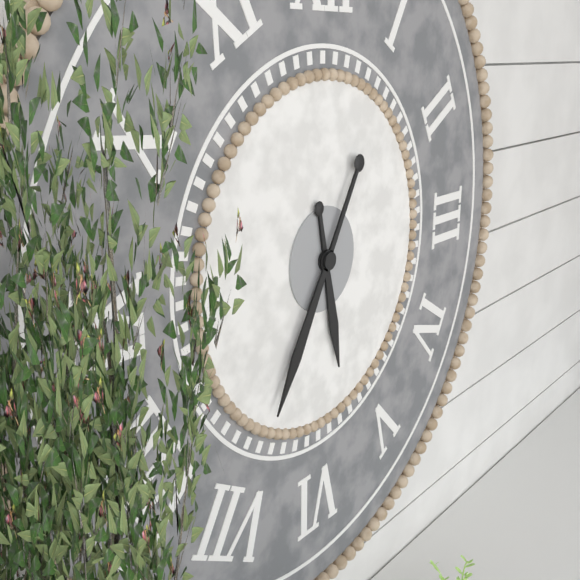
**5:35**
